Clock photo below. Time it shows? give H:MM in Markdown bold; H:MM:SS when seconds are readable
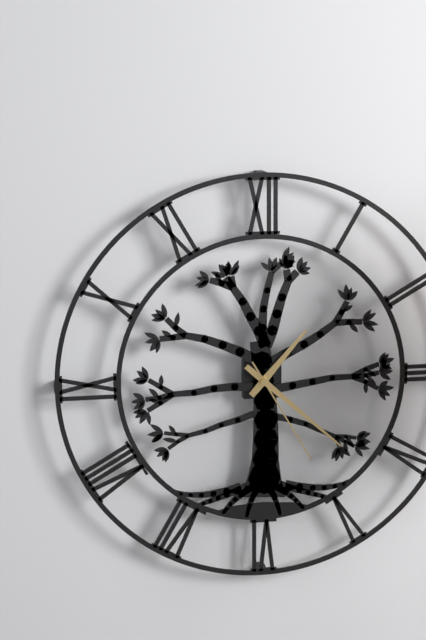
**1:22:25**
